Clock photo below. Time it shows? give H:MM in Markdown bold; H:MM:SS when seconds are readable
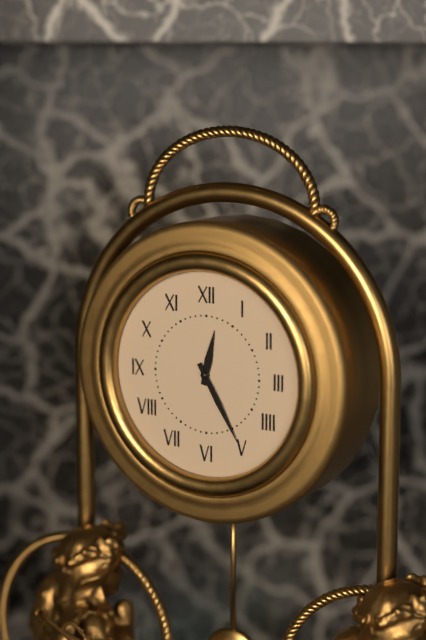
**12:25**
